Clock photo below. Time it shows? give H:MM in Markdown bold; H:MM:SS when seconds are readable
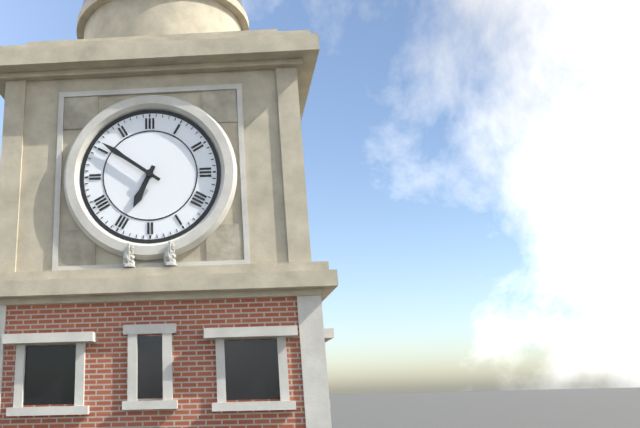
**6:51**
